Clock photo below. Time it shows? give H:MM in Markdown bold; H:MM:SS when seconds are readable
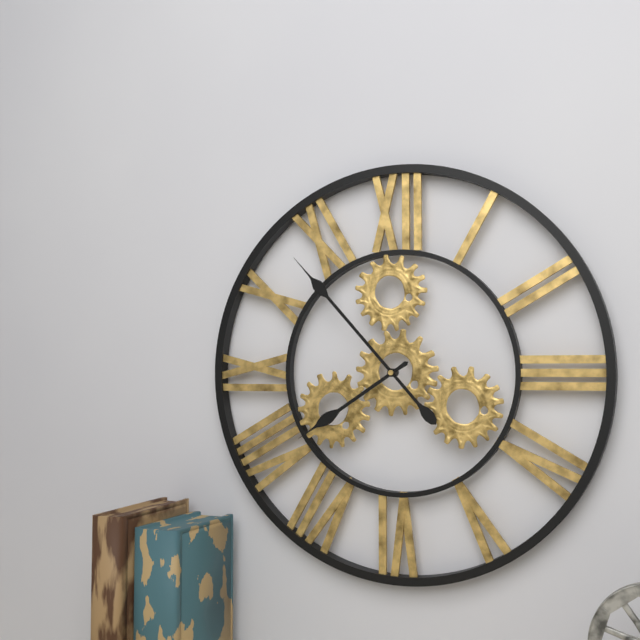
**7:53**
